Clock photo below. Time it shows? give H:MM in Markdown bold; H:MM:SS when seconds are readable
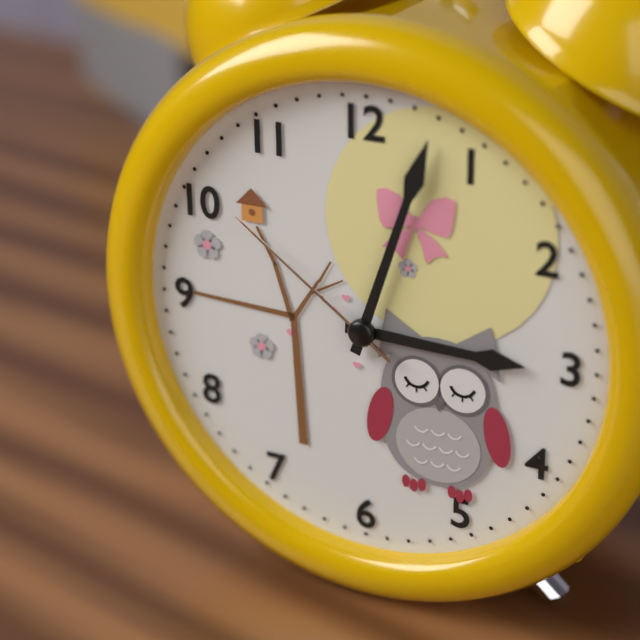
**3:03:51**
